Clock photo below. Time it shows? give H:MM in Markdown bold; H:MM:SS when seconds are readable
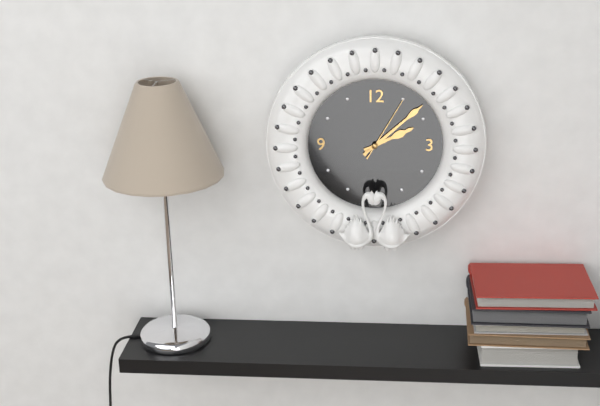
**2:08:05**
